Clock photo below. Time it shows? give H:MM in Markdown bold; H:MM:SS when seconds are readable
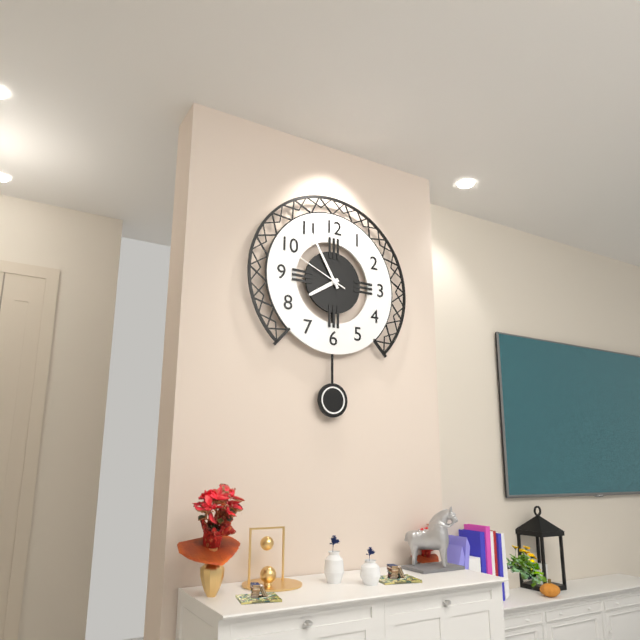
**7:55:49**
